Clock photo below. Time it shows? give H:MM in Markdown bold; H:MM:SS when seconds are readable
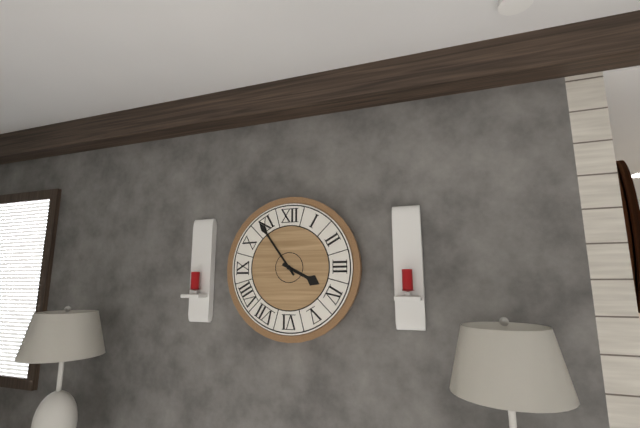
**3:54**
